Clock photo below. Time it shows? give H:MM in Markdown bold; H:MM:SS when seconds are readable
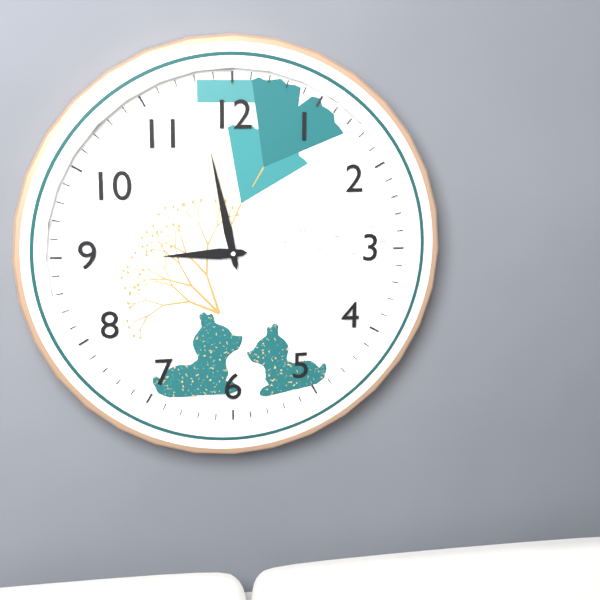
**8:58**
